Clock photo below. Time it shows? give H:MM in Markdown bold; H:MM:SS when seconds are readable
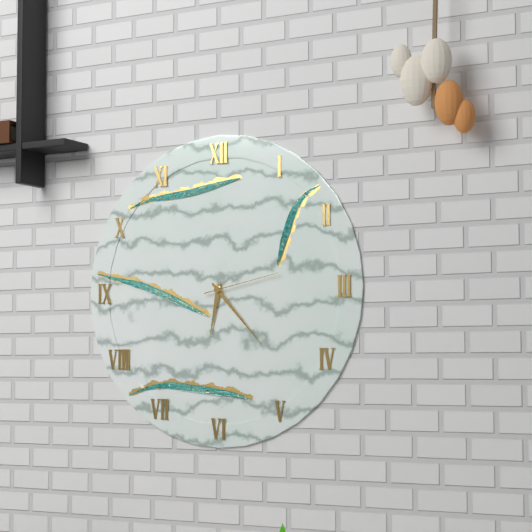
**6:23:13**
